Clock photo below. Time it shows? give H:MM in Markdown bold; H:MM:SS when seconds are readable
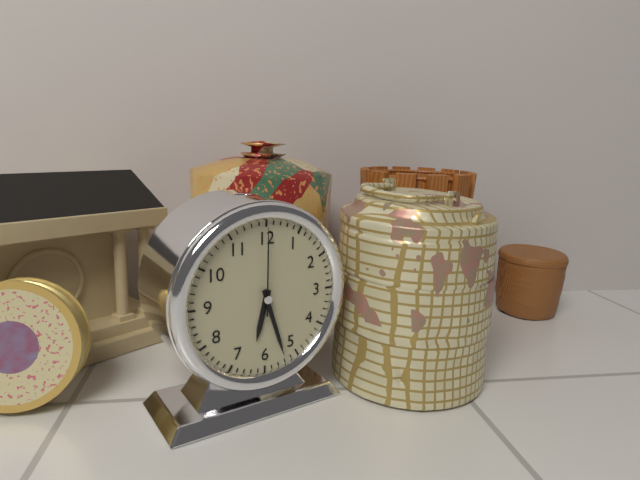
**6:27:00**
